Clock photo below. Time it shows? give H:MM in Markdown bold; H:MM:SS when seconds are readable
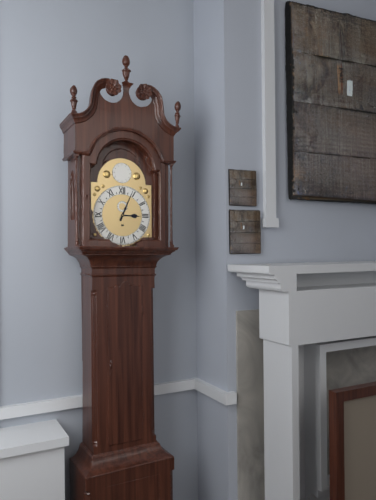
**3:04**
